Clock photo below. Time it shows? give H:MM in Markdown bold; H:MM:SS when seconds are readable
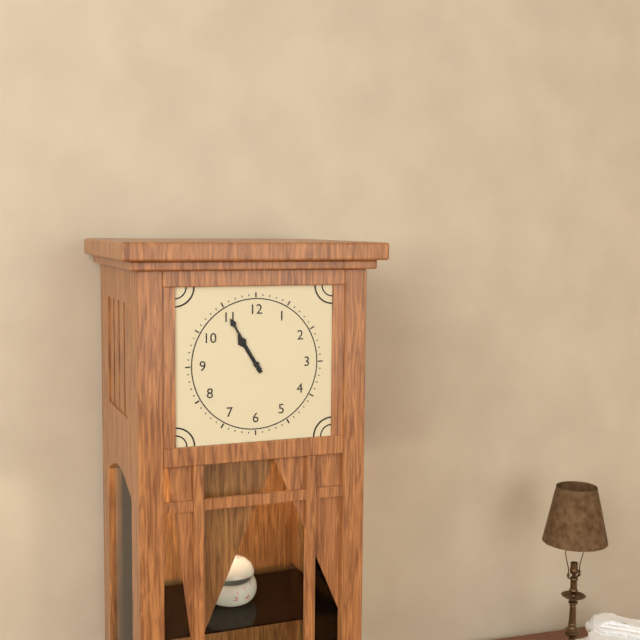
**10:55**
